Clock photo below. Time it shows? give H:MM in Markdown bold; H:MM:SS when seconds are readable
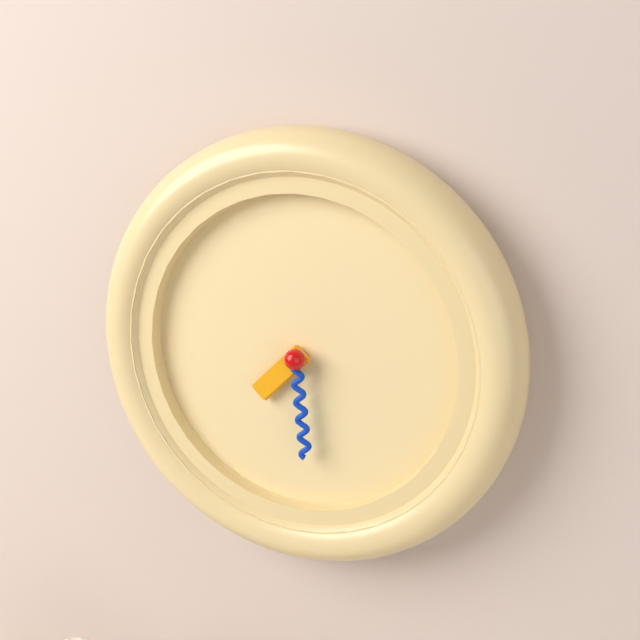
**7:29**
